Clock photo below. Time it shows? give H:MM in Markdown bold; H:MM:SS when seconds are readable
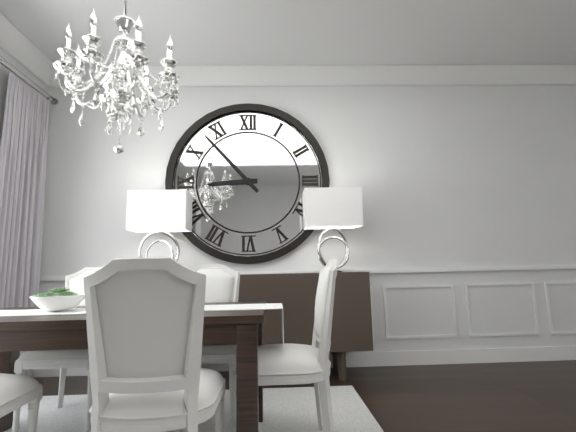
**8:53**
